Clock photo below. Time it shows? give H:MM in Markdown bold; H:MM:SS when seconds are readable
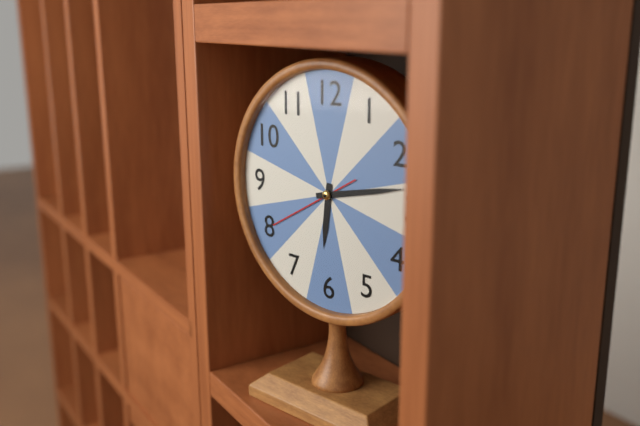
**6:13:40**
